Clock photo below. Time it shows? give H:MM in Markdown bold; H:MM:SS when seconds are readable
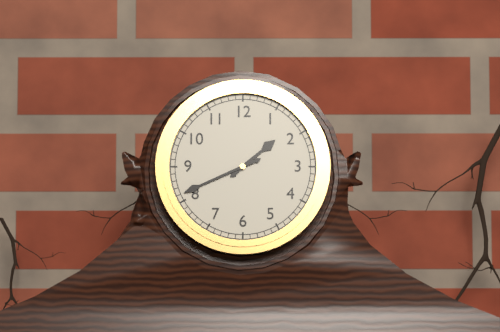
**1:41**
